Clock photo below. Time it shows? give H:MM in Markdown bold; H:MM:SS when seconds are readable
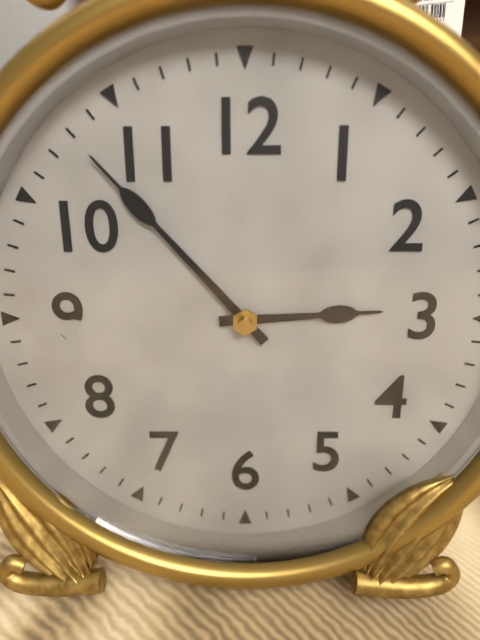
**2:53**
